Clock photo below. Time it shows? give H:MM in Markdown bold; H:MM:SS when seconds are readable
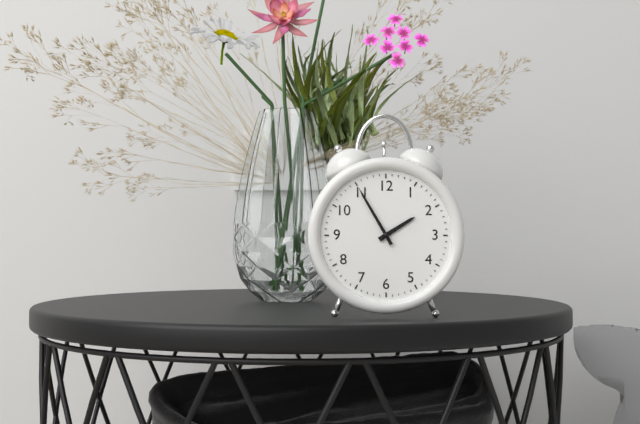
**1:55**
